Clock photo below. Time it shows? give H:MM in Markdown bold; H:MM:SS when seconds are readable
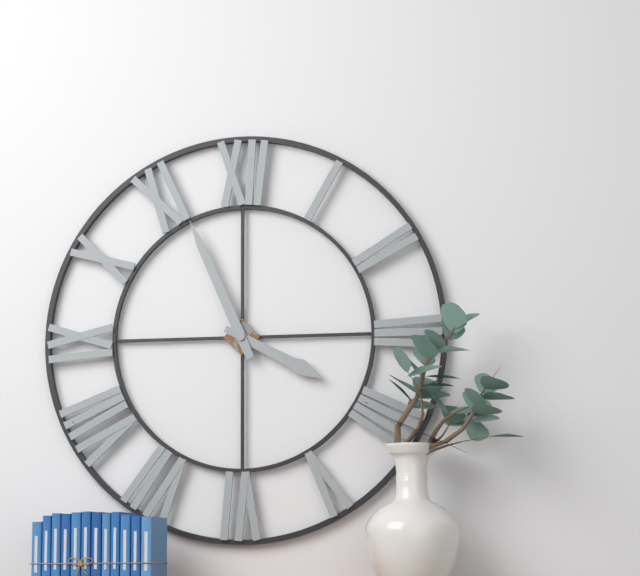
**3:56**
